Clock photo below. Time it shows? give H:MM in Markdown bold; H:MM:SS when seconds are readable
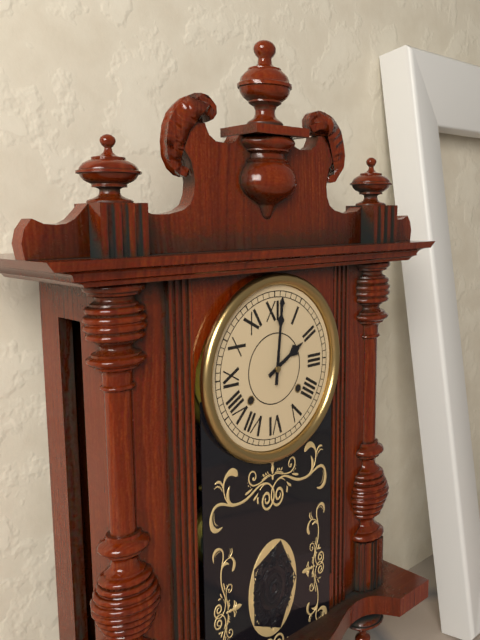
**2:01**
